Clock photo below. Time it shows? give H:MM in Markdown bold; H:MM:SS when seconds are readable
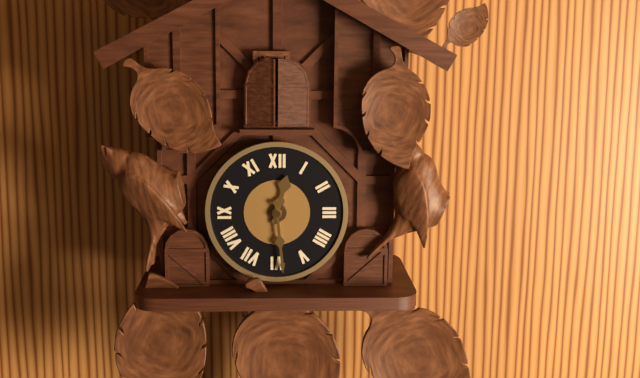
**12:29**
